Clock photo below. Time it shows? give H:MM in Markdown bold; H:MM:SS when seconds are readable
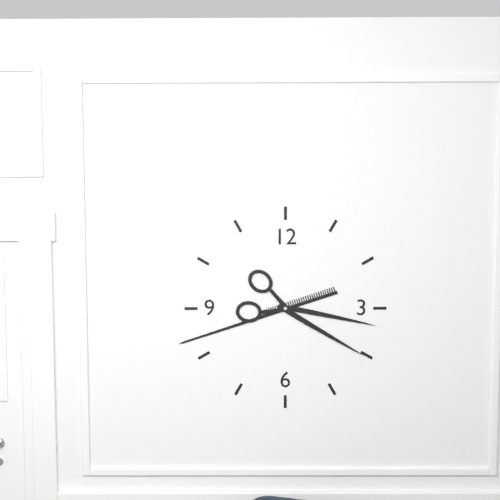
**3:42**
